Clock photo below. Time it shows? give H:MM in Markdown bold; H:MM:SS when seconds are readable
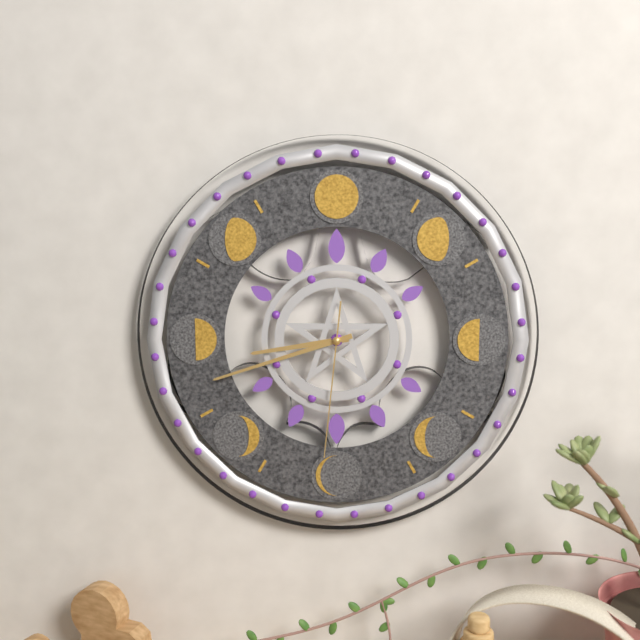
**8:42:31**
